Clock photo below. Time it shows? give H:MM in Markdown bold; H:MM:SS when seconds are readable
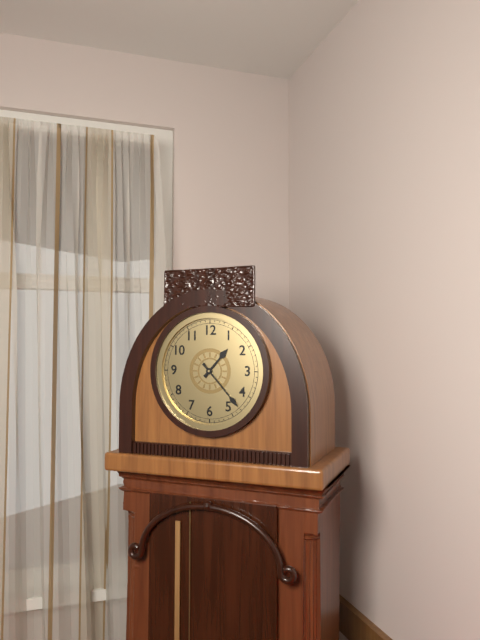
**1:23**
